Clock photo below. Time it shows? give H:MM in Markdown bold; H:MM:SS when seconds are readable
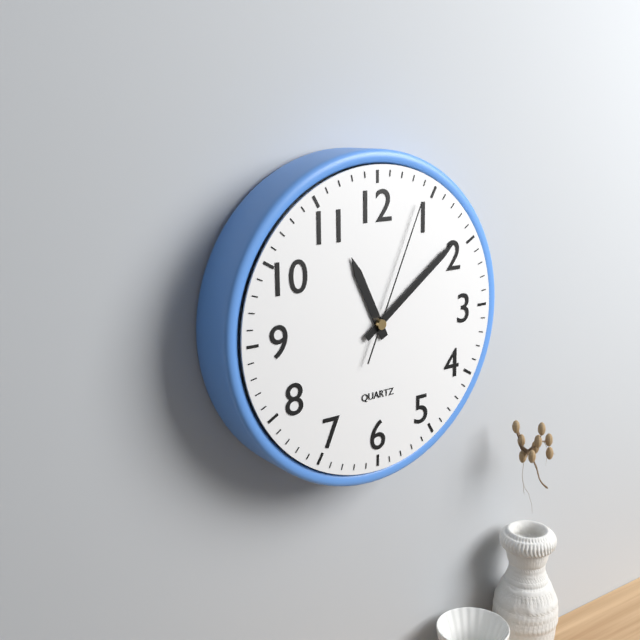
**11:09:04**
